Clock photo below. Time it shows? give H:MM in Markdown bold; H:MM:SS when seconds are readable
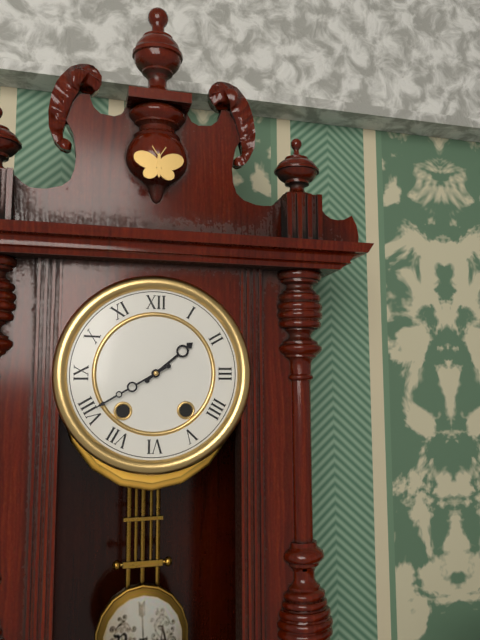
**1:40**
